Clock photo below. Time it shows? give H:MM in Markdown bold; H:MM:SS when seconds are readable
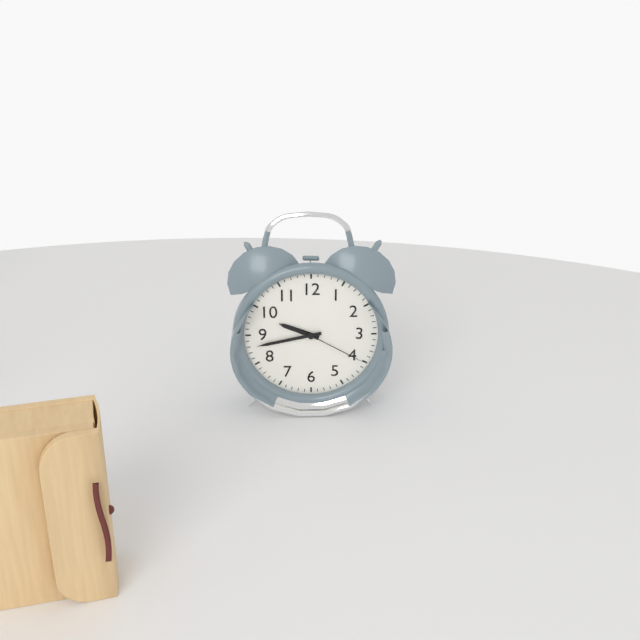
**9:43:20**
